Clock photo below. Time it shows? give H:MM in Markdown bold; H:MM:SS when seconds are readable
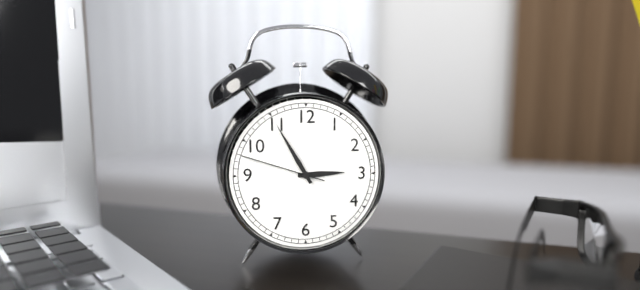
**2:55:48**
